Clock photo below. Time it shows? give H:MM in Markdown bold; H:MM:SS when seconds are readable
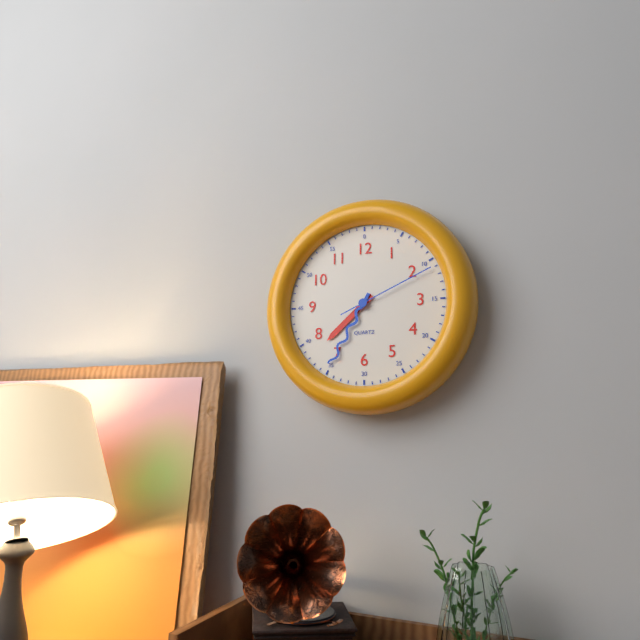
**7:35:11**
